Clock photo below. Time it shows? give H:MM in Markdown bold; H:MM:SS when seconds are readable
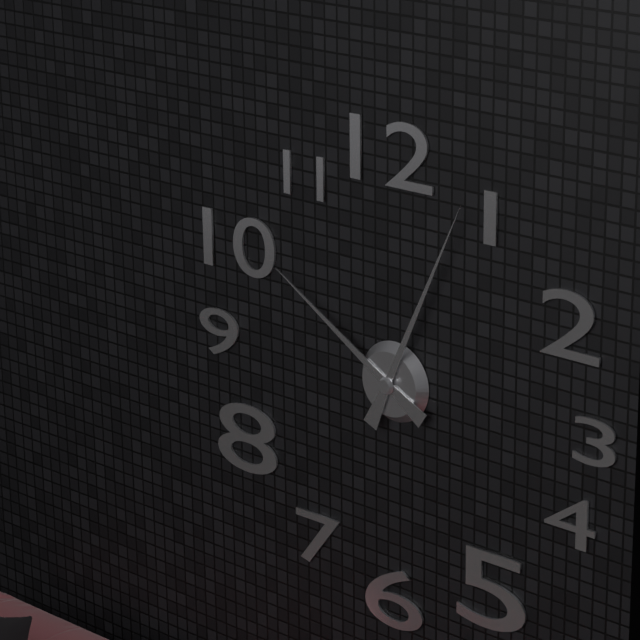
**10:04**
